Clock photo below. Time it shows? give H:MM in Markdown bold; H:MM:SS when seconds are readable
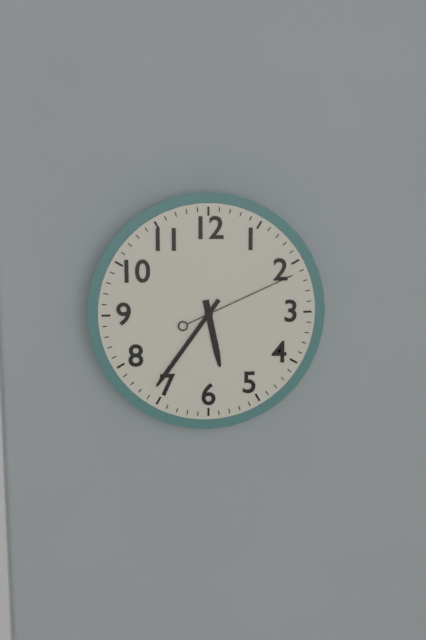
**5:36:11**
